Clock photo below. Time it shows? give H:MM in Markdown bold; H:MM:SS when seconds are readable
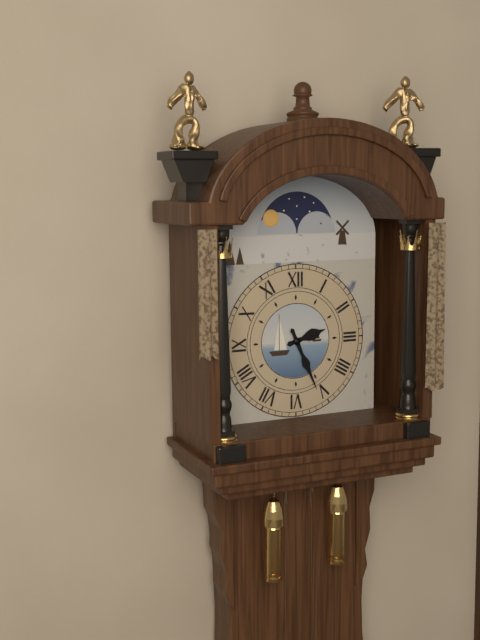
**2:26**
